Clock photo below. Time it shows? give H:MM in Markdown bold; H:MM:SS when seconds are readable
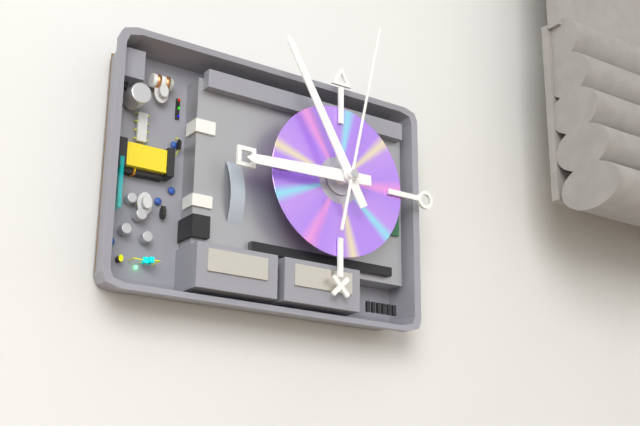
**8:55:02**
